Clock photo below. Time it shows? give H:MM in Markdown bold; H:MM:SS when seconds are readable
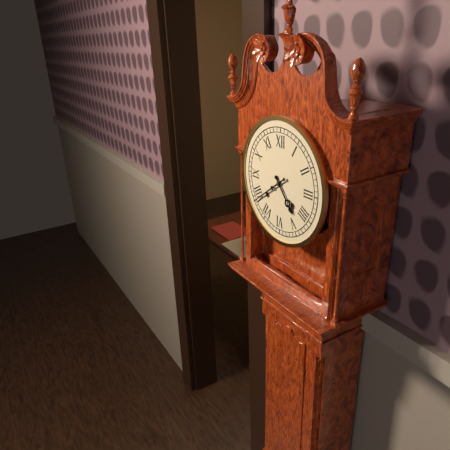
**4:39**
